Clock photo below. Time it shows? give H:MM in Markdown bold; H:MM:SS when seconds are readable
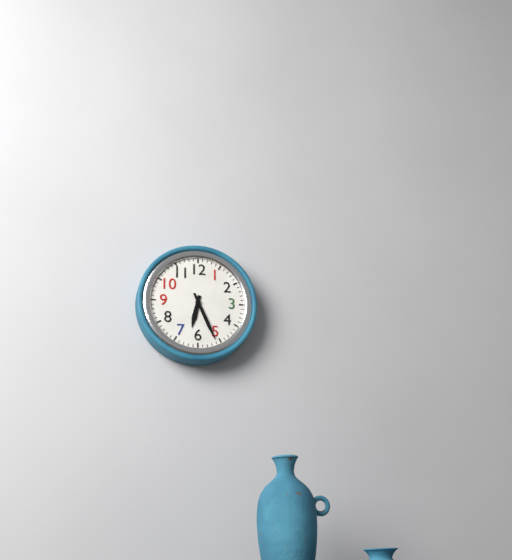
**6:26**
